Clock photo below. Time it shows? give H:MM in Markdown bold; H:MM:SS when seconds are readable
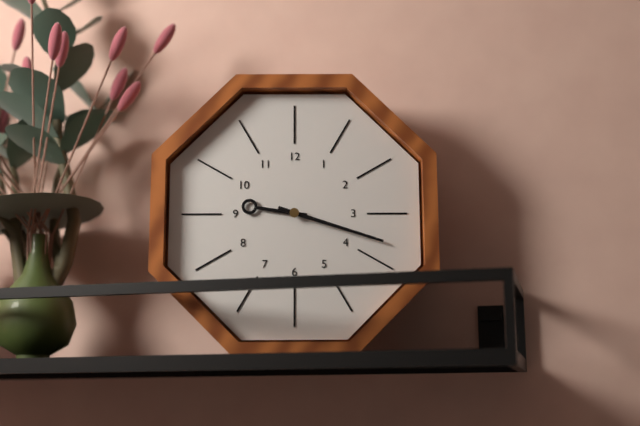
**9:18**
